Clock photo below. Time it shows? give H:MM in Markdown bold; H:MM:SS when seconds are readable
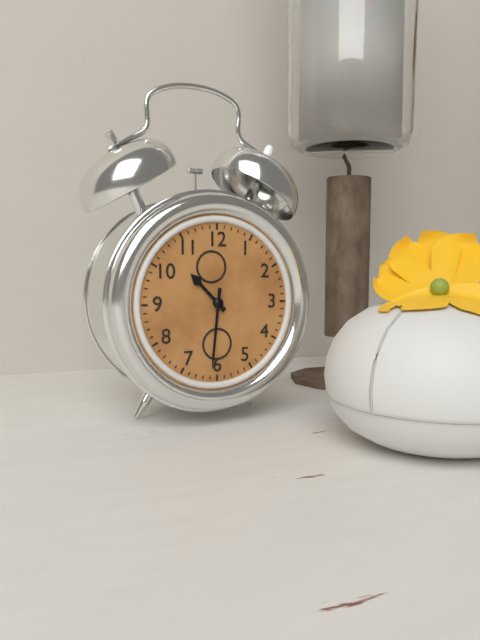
**10:31**
